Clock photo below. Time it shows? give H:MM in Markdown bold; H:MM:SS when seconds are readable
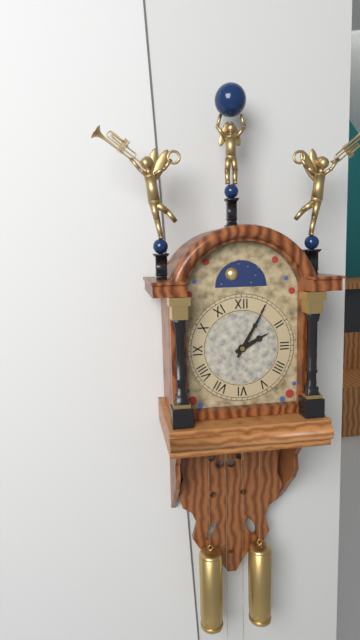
**2:05**
